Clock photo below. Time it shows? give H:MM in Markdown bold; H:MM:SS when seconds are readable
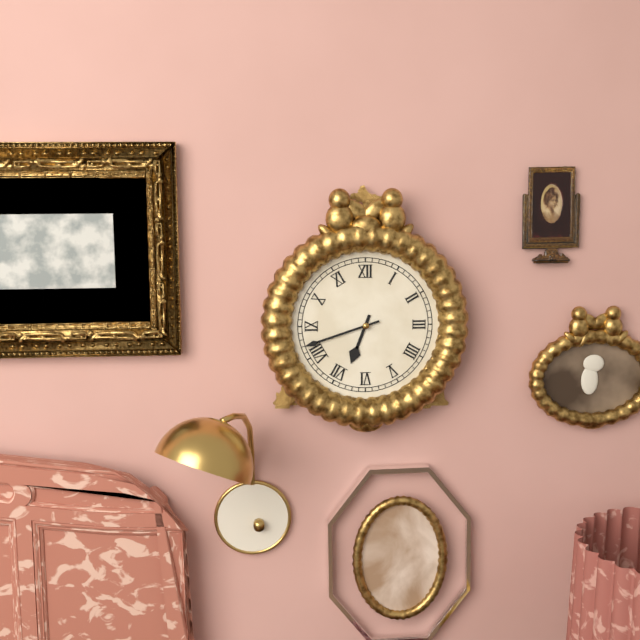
**6:42**
